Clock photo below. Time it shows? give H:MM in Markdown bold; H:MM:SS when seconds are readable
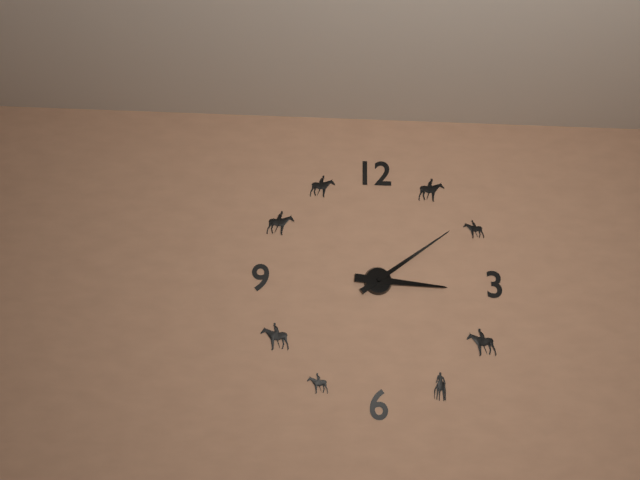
**3:09**
